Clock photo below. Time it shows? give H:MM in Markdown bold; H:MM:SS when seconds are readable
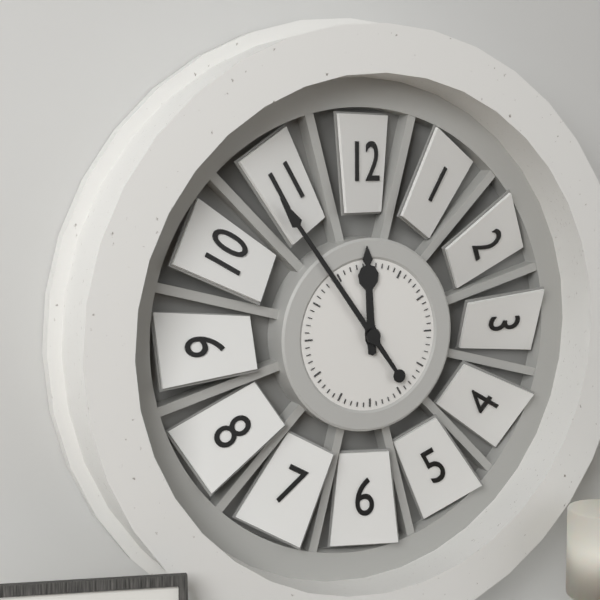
**11:54**
